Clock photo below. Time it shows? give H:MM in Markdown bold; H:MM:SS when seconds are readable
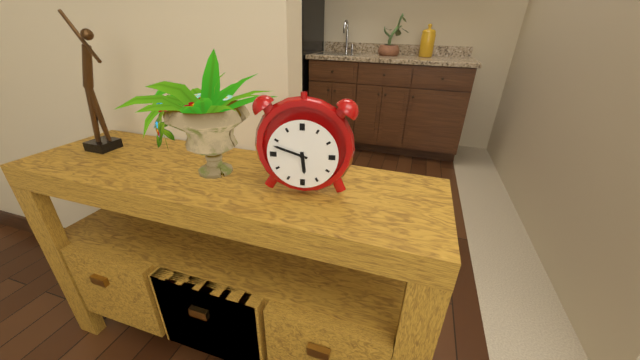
**5:48**
